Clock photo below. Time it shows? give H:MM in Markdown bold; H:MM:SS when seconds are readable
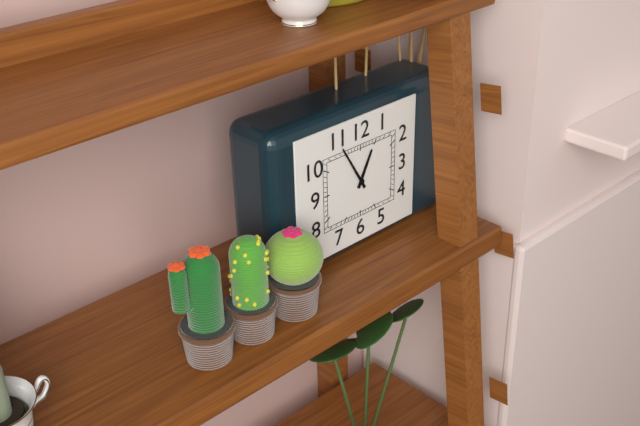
**12:55**
